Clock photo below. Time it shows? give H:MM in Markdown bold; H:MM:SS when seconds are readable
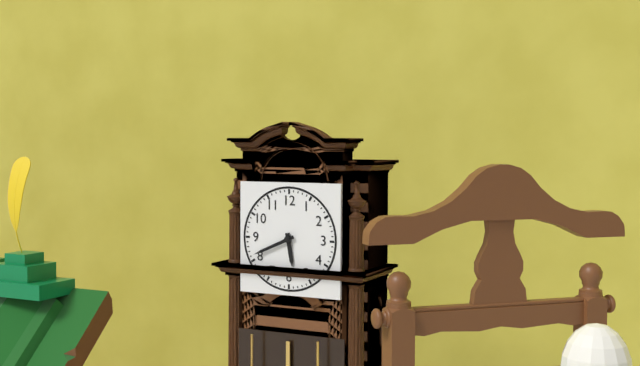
**5:41**
